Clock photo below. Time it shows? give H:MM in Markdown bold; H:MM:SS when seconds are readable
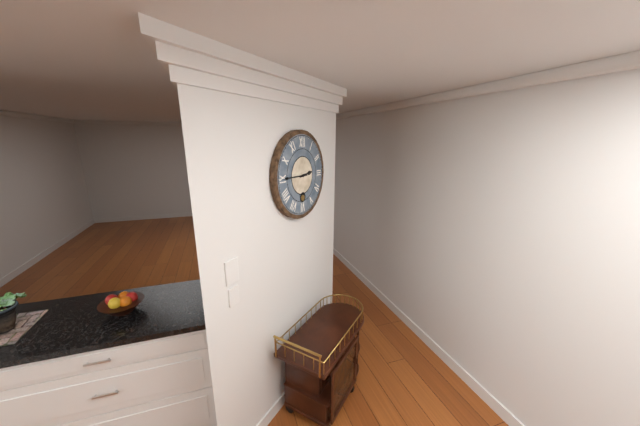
**2:45**
